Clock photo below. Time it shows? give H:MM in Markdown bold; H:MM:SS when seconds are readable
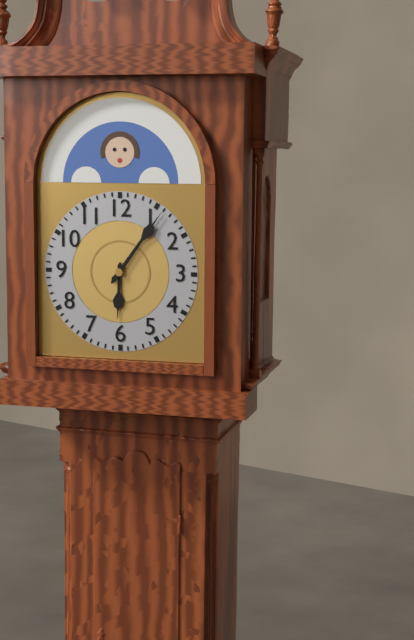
**6:06**
